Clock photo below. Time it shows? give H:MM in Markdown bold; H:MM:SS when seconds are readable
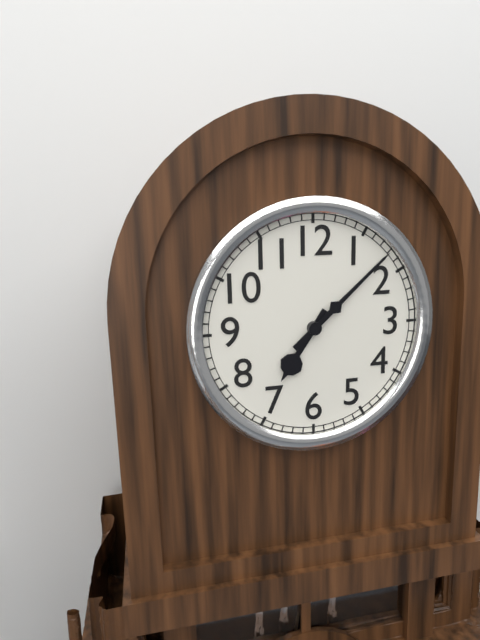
**7:08**
